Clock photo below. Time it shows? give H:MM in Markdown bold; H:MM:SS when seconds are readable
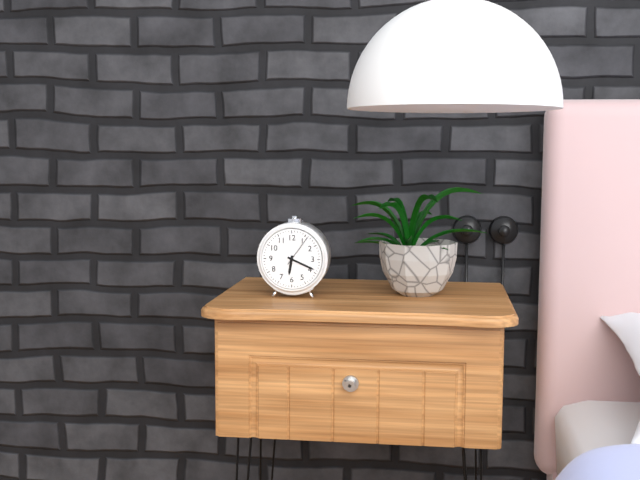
**6:19**
